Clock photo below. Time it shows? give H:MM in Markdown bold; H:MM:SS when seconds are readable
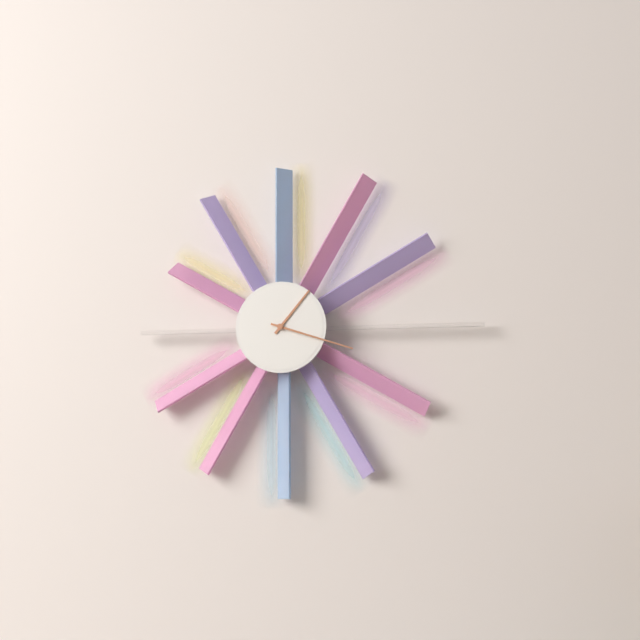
**1:18**
